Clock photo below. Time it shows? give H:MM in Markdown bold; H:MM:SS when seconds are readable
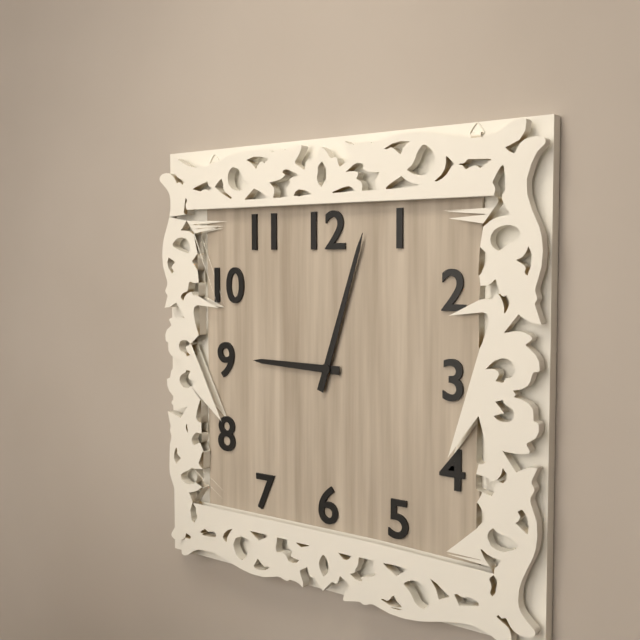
**9:03**
